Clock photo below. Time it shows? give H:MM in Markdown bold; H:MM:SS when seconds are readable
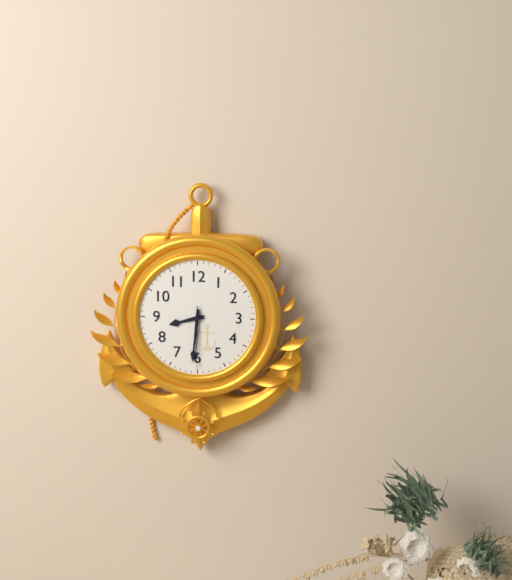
**8:31:30**
